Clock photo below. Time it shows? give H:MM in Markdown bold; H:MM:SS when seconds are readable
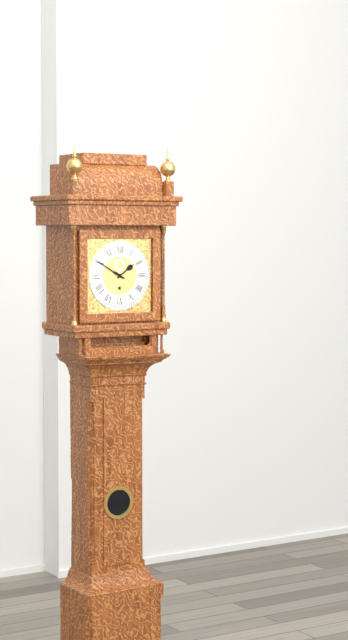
**1:50**
